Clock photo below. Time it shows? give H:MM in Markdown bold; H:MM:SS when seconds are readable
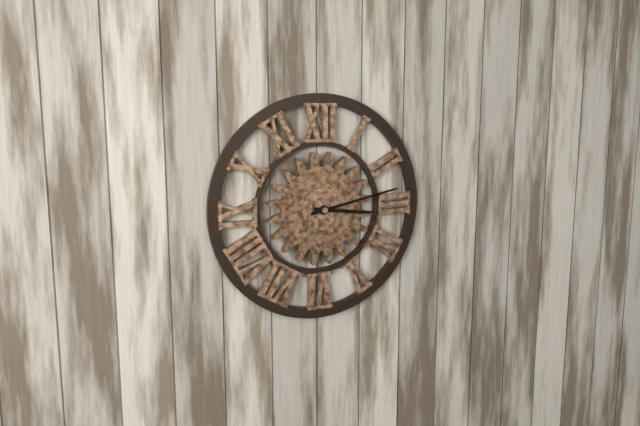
**3:13**
